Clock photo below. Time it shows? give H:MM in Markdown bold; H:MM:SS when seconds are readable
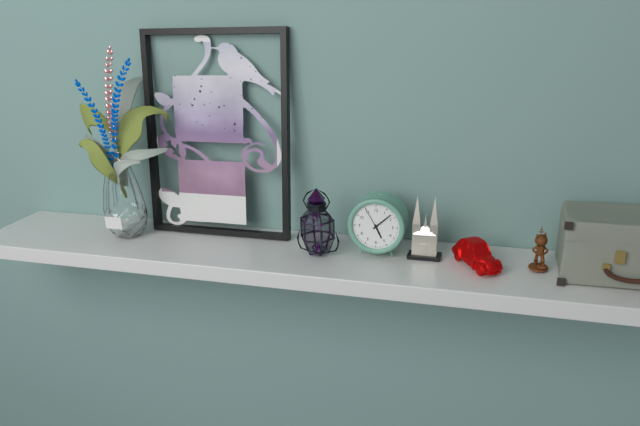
**5:08**
